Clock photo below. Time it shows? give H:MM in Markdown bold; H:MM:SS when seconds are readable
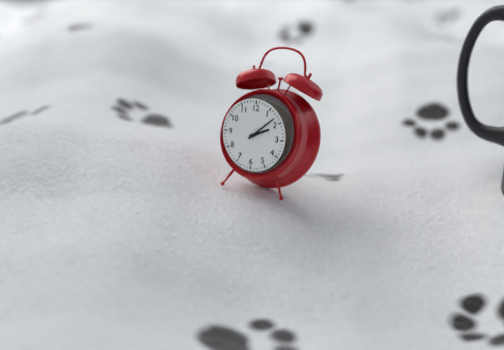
**2:08**
